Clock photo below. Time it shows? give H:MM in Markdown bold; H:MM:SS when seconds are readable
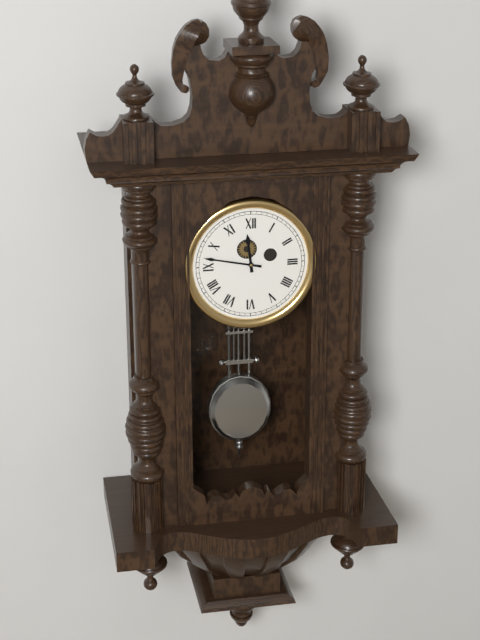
**11:47**
